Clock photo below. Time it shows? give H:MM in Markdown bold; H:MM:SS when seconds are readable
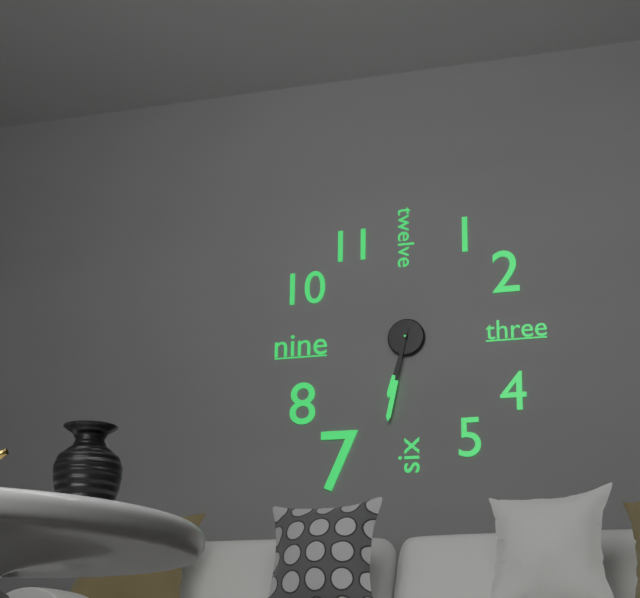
**6:32**
